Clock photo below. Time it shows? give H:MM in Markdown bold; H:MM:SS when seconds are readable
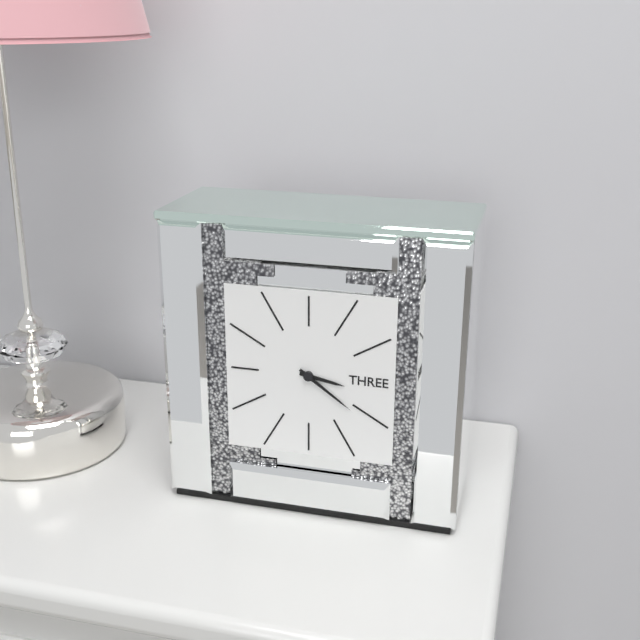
**3:21**
